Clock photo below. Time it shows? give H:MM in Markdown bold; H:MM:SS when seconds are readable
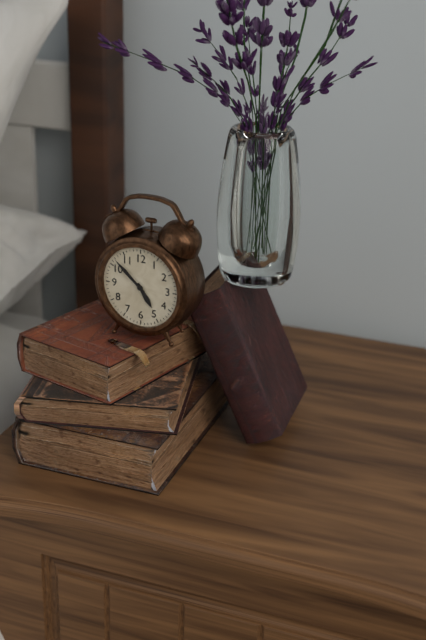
**4:52**
